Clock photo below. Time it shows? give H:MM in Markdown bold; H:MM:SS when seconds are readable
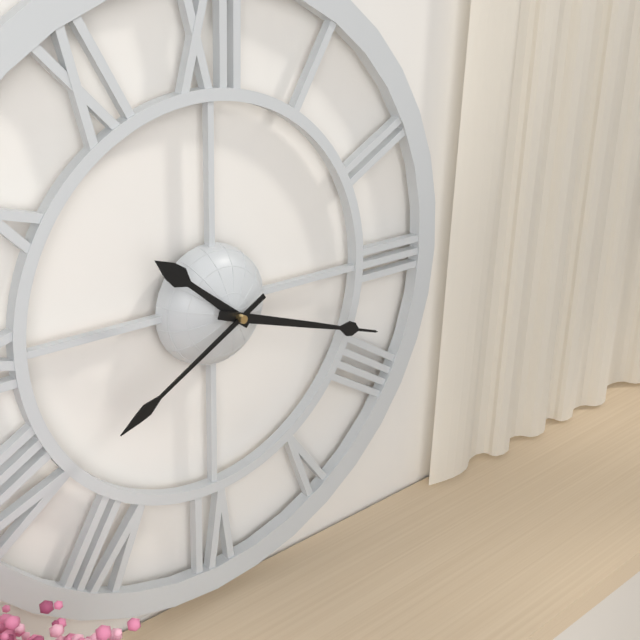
**10:18:40**
